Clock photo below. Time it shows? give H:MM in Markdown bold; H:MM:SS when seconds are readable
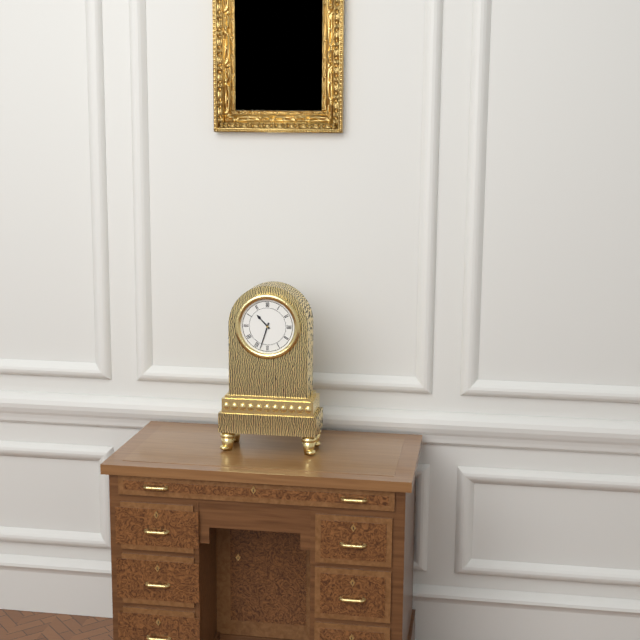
**10:33**
